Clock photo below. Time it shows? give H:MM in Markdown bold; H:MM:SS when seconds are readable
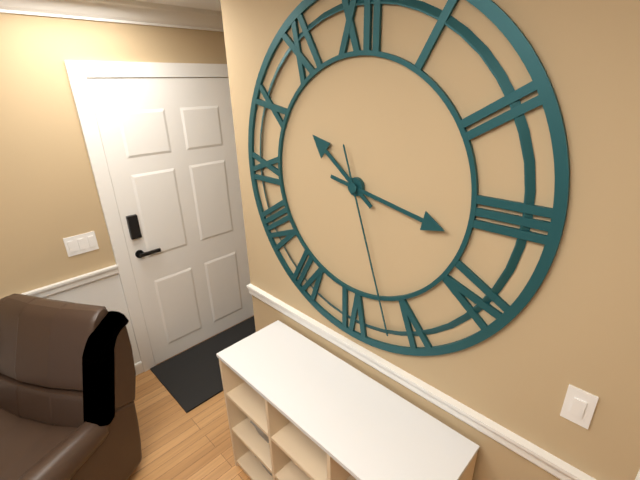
**10:17:27**
